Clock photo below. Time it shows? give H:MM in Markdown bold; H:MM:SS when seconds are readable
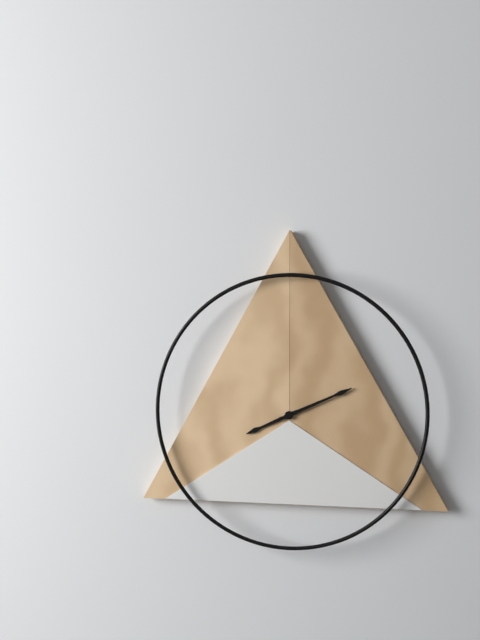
**8:11**
